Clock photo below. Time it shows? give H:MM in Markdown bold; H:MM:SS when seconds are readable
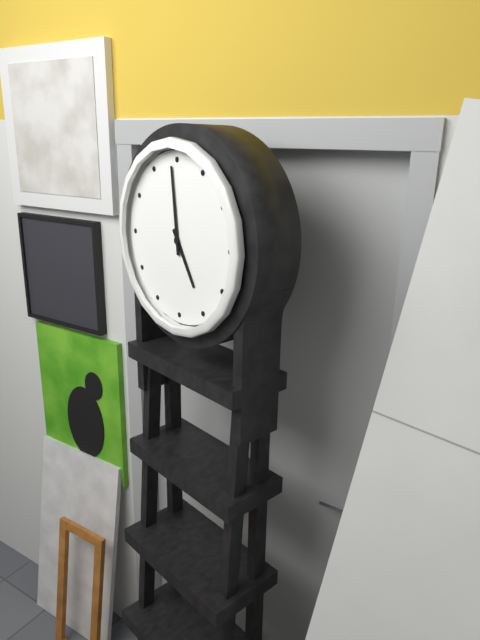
**4:59**
